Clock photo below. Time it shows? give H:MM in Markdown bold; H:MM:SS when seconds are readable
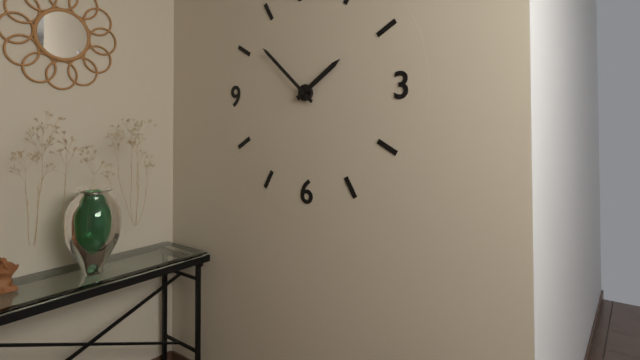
**1:52**
